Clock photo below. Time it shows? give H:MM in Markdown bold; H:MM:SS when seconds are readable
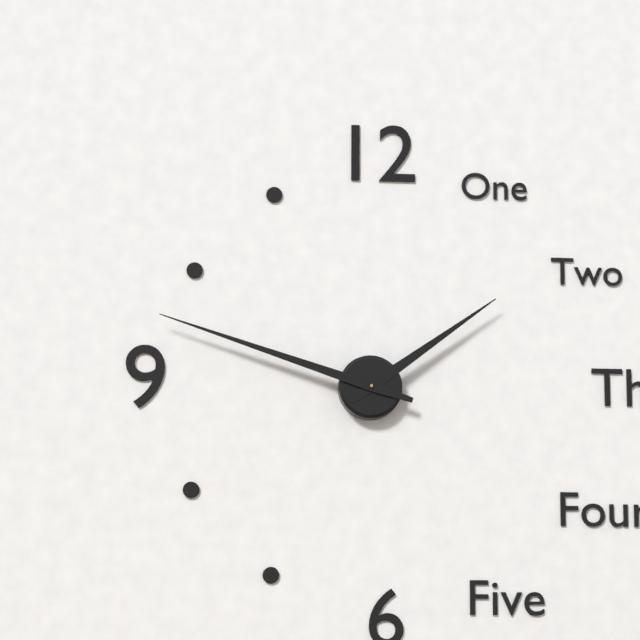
**1:48**
